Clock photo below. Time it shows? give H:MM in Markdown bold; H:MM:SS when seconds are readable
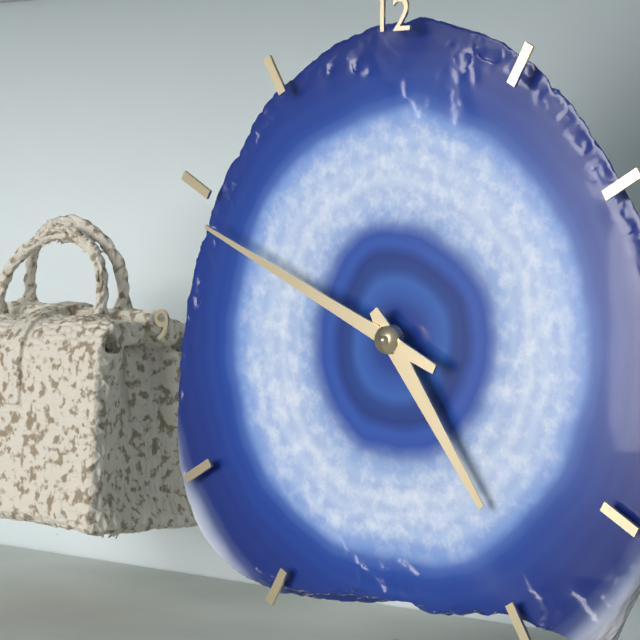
**4:49**
